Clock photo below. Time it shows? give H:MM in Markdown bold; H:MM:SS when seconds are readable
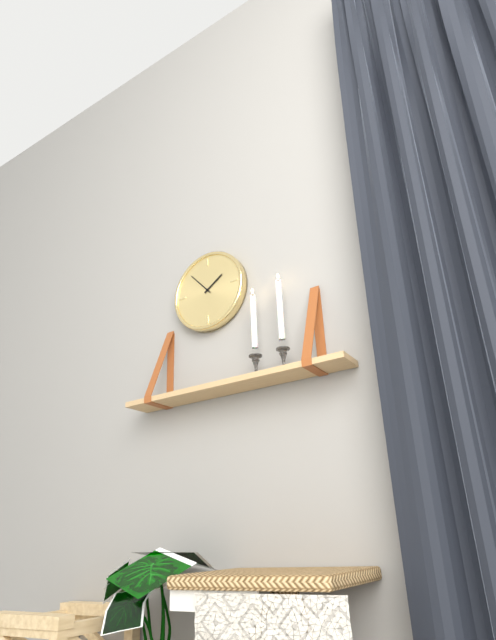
**1:53**
